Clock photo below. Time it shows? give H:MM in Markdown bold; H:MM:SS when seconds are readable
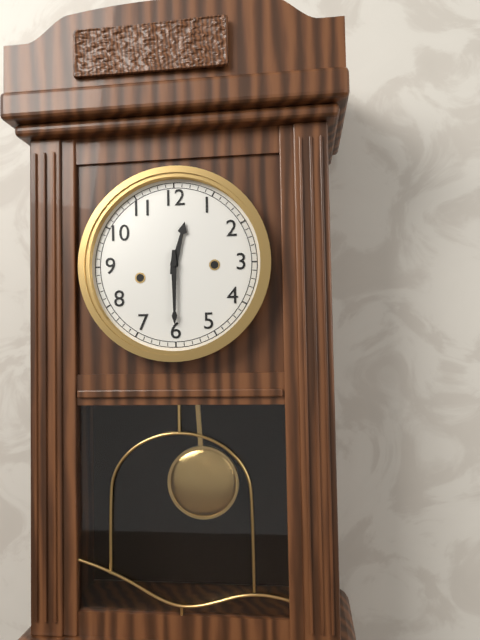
**12:30**
